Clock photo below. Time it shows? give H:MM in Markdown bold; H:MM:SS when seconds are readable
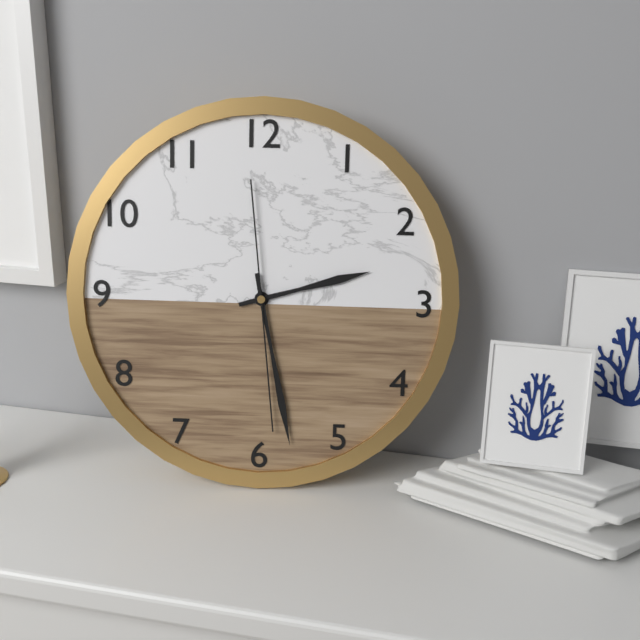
**2:28:29**
